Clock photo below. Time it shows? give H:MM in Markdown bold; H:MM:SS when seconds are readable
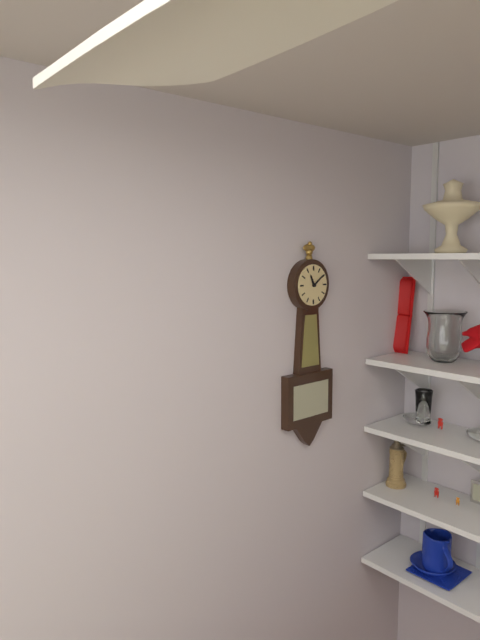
**11:09**
